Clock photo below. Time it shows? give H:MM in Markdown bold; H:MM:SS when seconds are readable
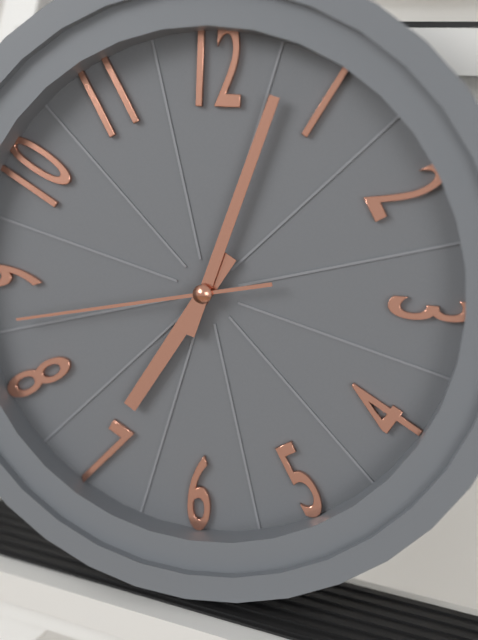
**7:03:43**
